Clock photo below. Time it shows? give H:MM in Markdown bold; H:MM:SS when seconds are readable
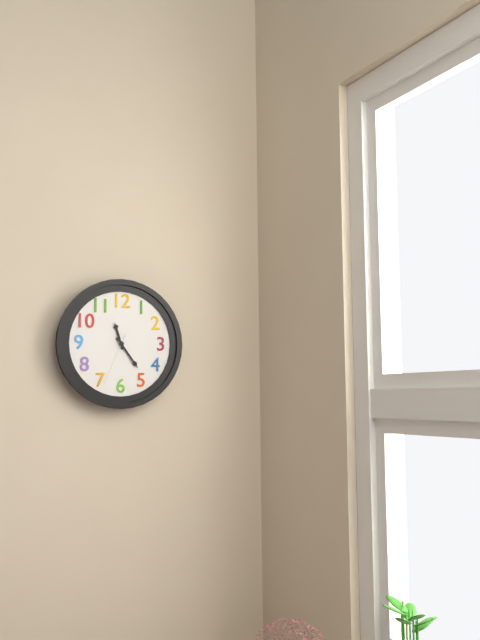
**11:24:34**
